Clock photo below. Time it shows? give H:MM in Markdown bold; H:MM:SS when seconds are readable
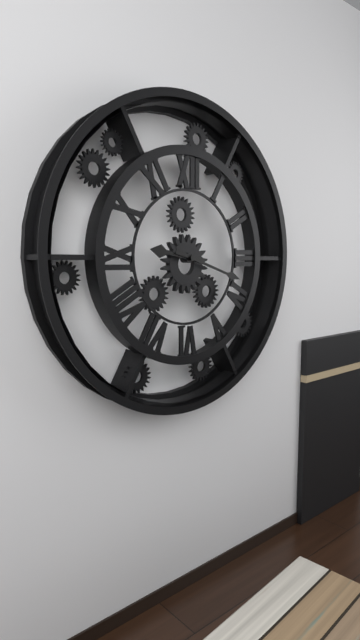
**9:18**
